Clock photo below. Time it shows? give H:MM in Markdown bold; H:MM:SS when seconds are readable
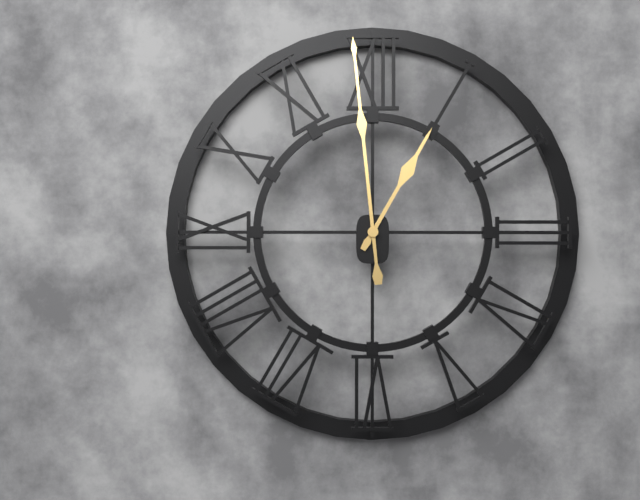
**12:59**
